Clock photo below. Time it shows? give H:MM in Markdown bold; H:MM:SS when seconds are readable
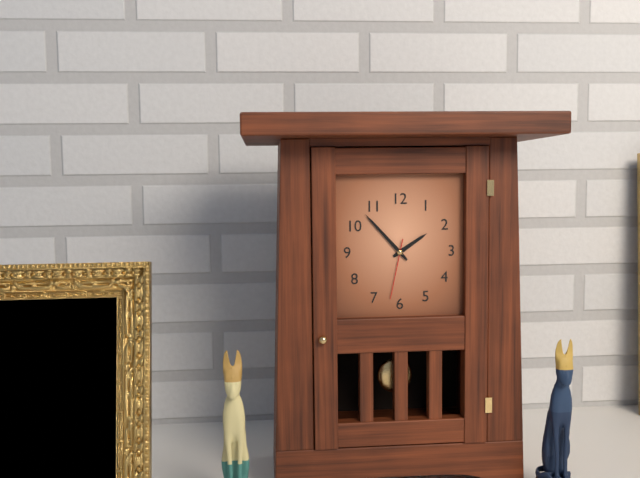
**1:53:32**
